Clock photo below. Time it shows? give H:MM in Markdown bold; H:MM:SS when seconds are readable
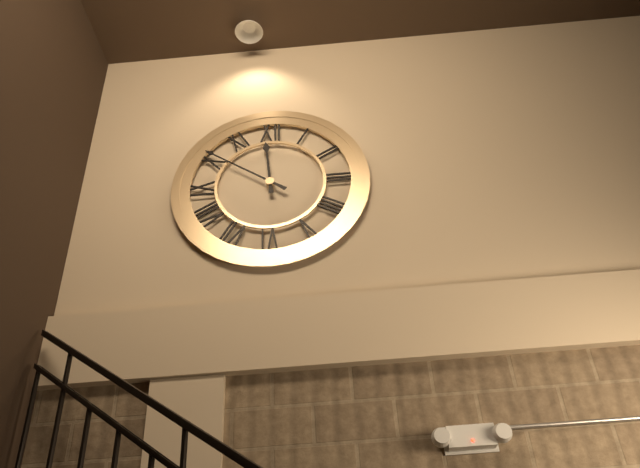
**11:51**
